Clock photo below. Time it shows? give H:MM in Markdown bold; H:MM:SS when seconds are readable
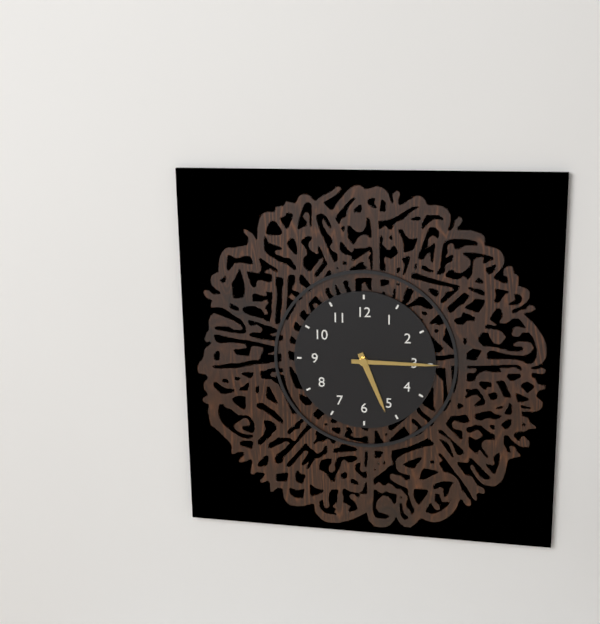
**5:15**
